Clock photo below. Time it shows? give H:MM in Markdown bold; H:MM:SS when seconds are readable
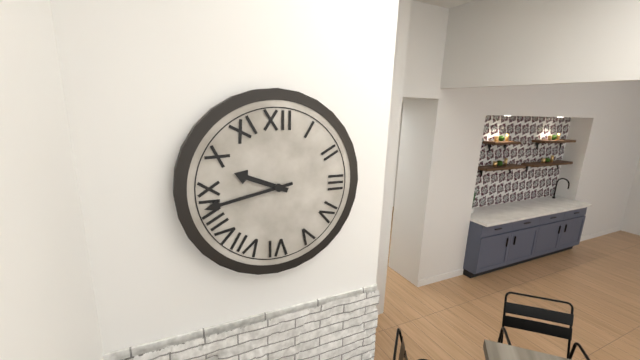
**9:43**
